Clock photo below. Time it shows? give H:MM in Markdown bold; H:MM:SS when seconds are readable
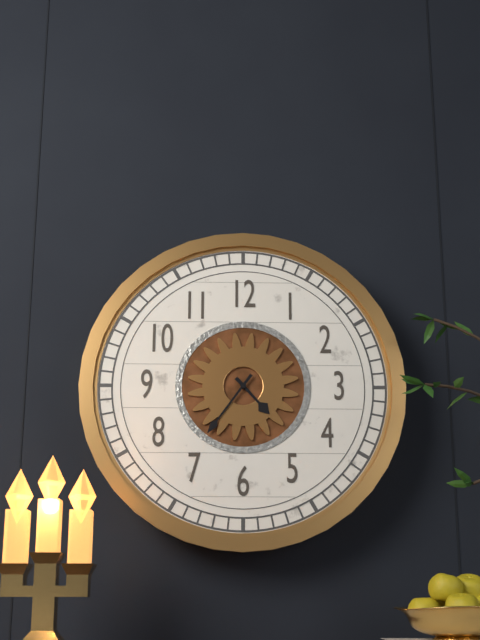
**4:36**
